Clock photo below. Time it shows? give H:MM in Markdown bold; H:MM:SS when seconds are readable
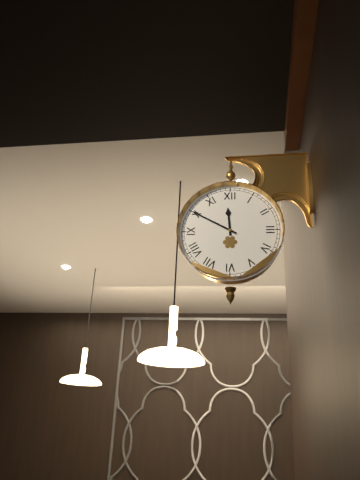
**11:50**
